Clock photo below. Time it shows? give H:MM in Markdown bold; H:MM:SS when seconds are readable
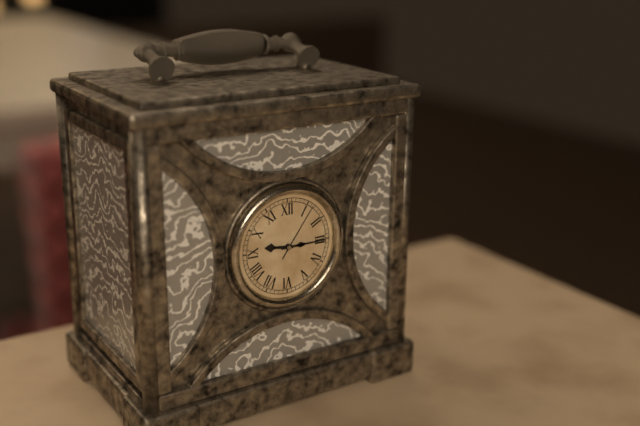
**9:15:06**
